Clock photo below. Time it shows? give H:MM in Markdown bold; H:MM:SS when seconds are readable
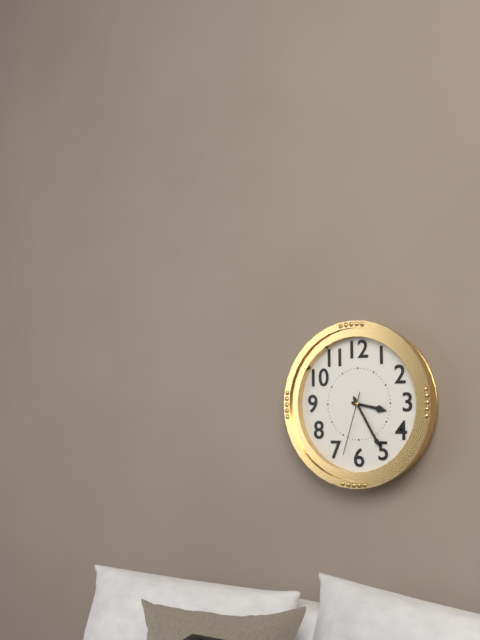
**3:25:33**
